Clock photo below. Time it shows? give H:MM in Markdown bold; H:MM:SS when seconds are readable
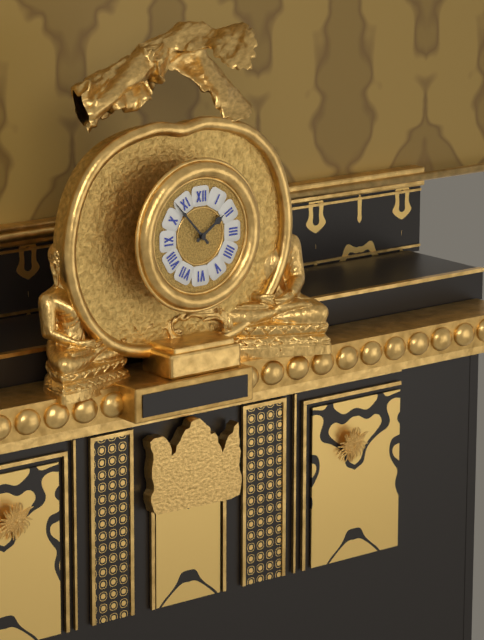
**1:53**
